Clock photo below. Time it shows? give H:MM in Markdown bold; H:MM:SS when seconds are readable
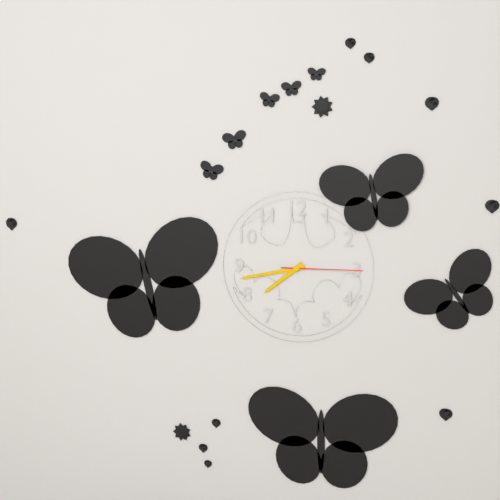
**7:43:15**
